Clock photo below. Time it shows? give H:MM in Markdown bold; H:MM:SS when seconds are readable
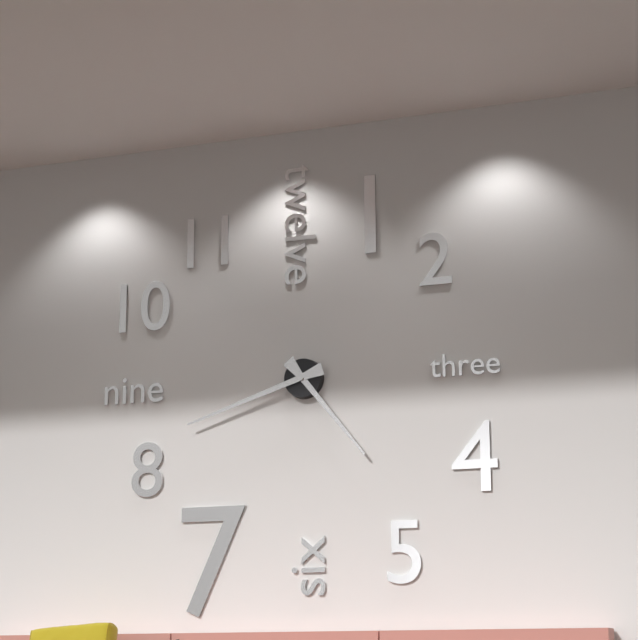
**4:42**
